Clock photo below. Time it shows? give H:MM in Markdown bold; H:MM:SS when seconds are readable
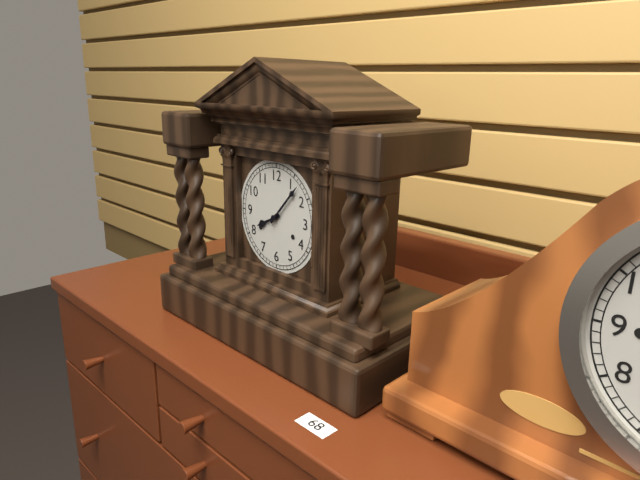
**8:07**
